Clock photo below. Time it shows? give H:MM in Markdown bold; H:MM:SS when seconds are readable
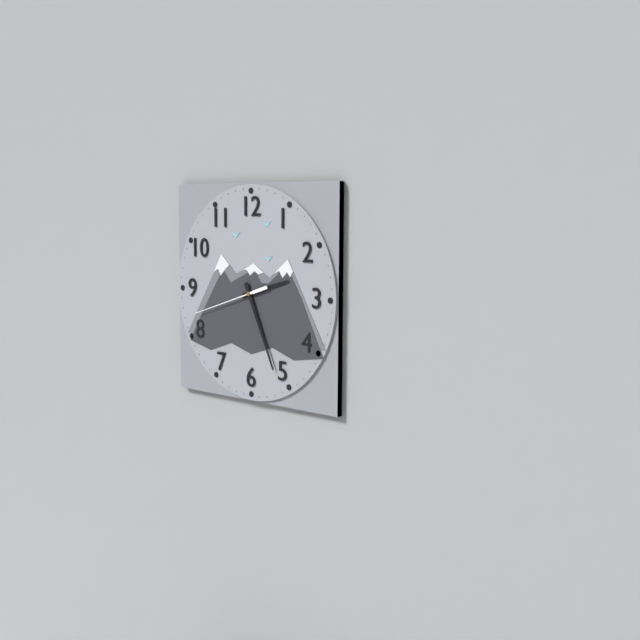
**2:26:42**
